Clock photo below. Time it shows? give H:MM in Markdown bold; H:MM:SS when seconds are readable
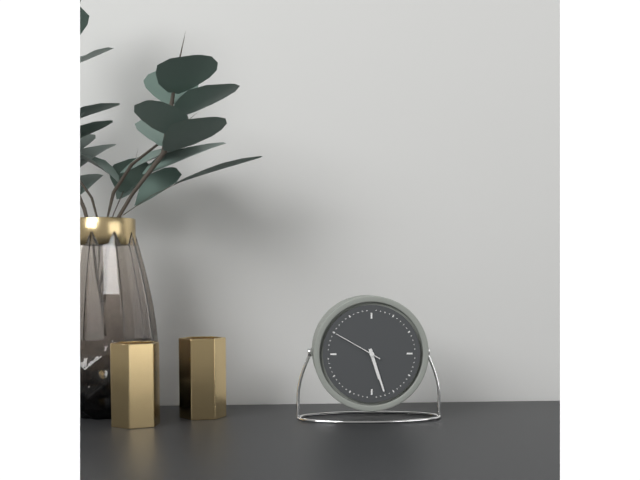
**5:27:50**
